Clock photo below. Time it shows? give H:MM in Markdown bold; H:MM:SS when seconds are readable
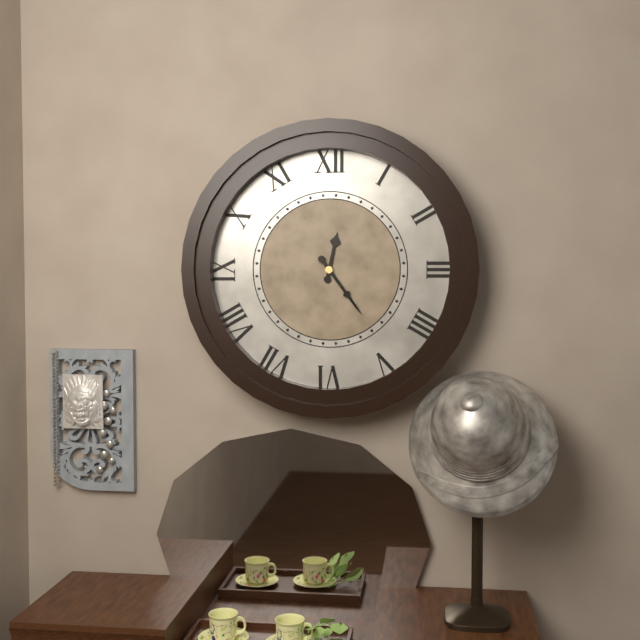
**12:24**
